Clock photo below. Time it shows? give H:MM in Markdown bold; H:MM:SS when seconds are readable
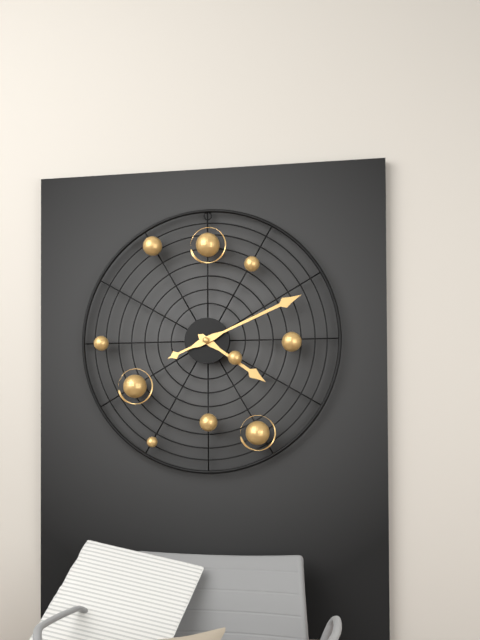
**4:11**
